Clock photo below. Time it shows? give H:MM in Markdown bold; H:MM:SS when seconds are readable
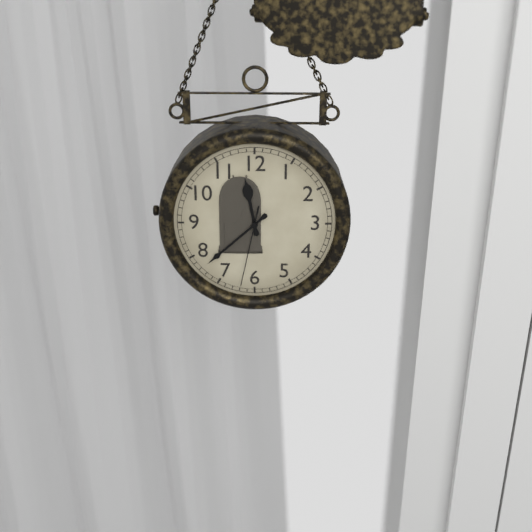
**11:38:32**
